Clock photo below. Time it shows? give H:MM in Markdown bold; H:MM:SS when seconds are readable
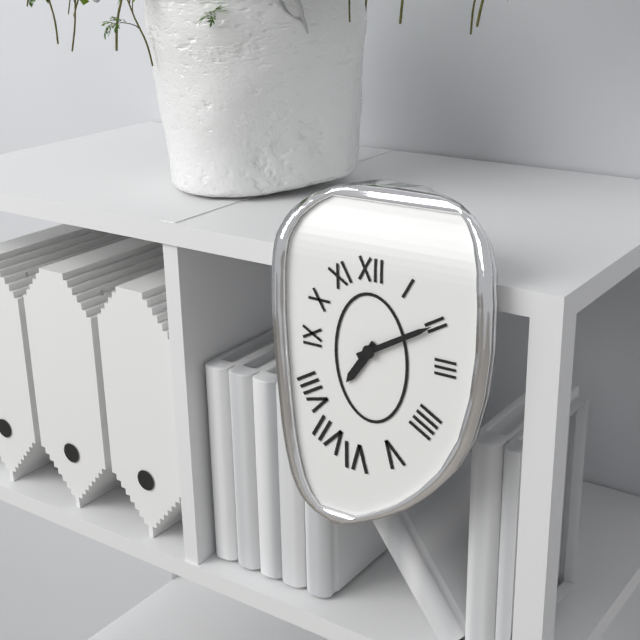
**7:10**
